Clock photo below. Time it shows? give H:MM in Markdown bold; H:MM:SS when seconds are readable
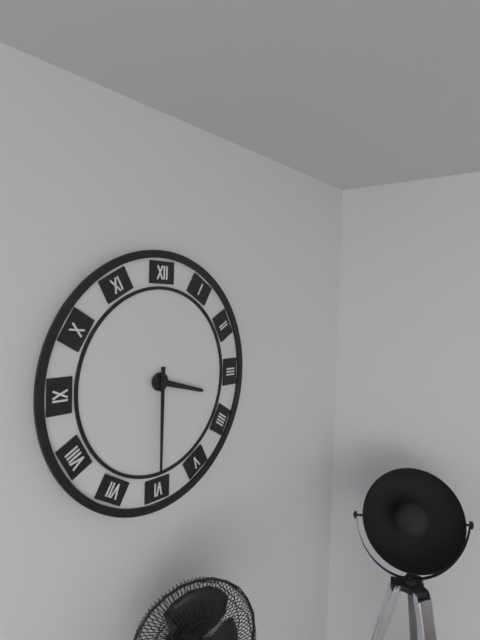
**3:30**
